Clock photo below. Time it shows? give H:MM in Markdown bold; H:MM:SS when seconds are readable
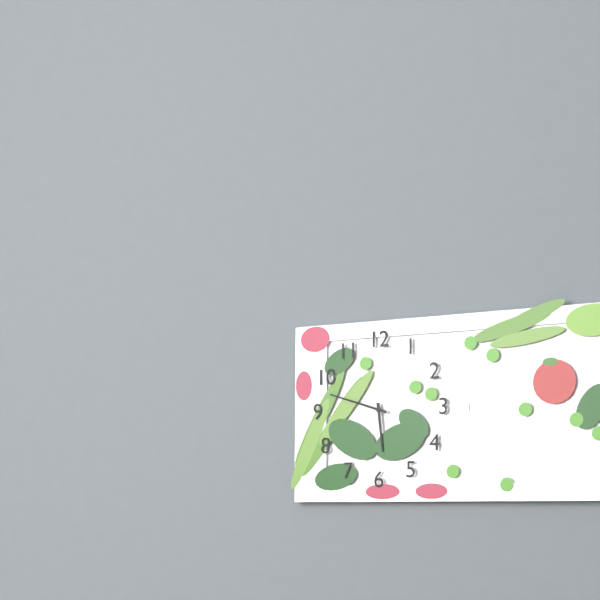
**5:48**
